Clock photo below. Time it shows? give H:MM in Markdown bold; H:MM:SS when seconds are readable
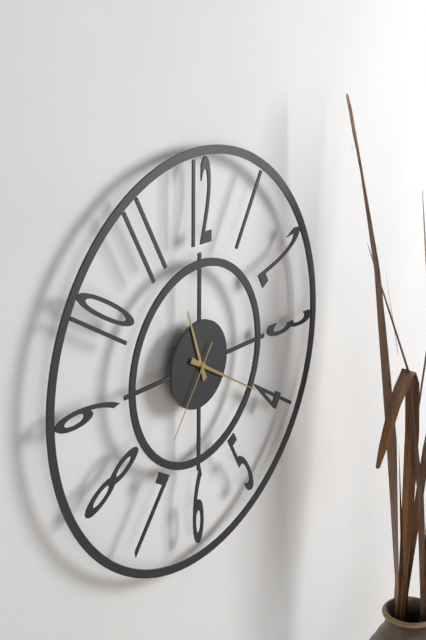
**11:20:36**
